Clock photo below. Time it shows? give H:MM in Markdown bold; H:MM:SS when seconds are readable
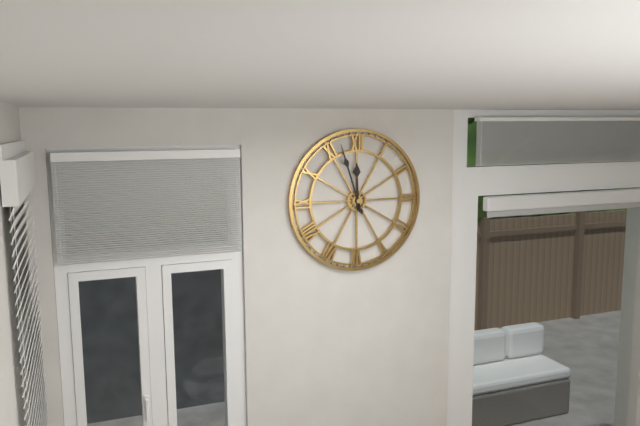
**11:57**
